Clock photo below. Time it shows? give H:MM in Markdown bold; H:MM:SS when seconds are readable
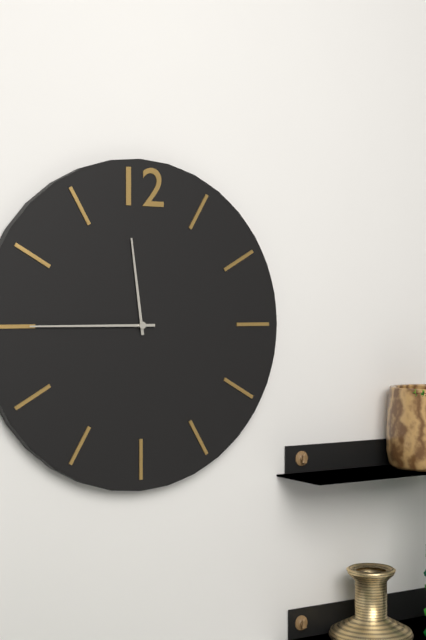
**11:45**
